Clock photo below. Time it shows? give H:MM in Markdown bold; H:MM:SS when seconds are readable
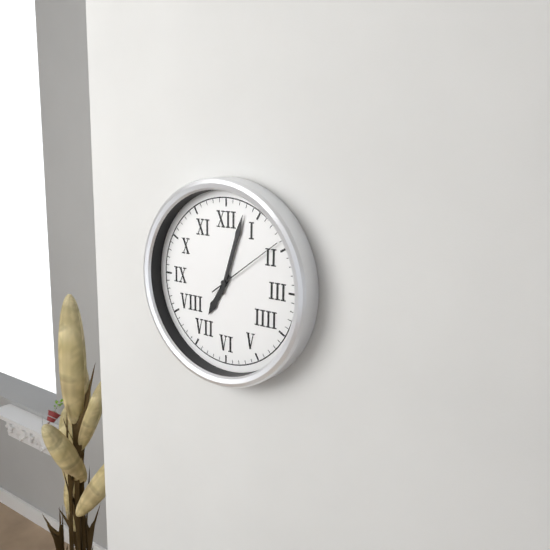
**7:03:09**
